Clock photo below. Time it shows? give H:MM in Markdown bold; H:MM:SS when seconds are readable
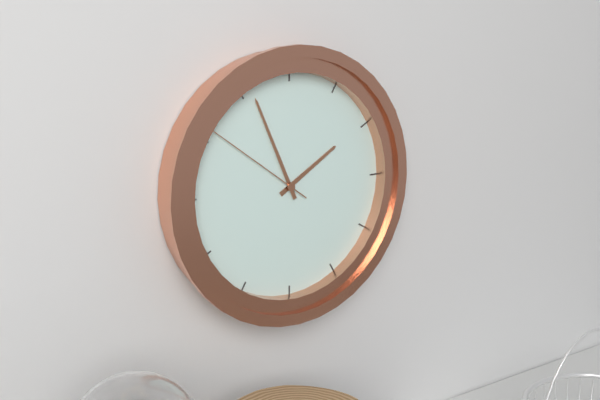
**1:56:51**
